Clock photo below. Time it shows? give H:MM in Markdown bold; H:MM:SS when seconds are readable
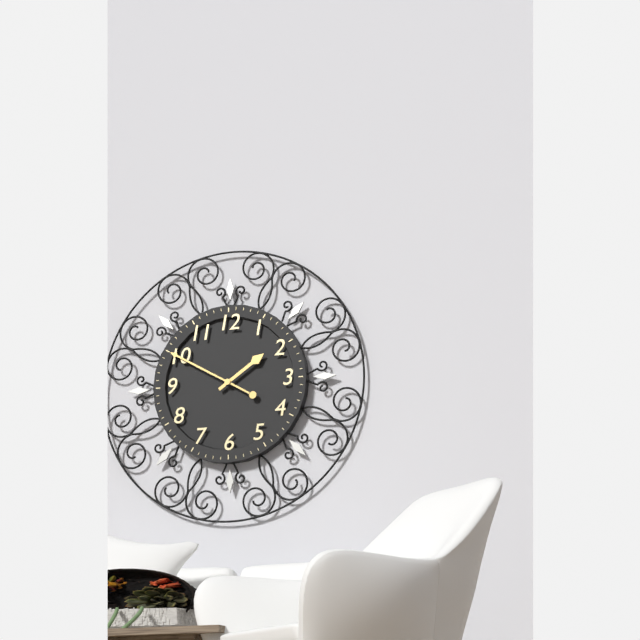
**1:50**
